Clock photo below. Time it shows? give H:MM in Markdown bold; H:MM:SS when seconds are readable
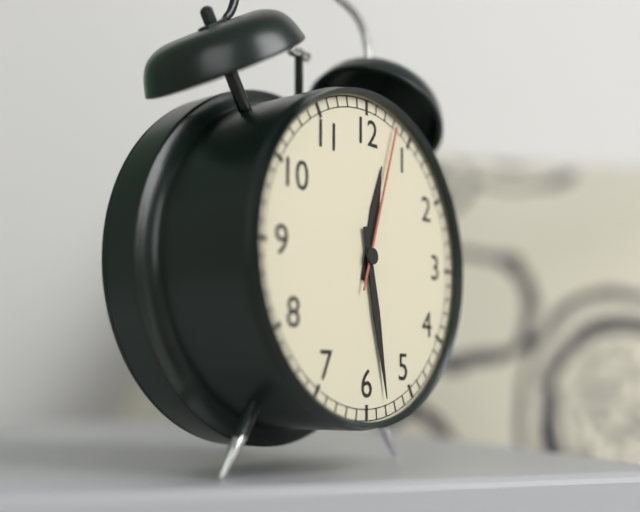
**12:28:03**
